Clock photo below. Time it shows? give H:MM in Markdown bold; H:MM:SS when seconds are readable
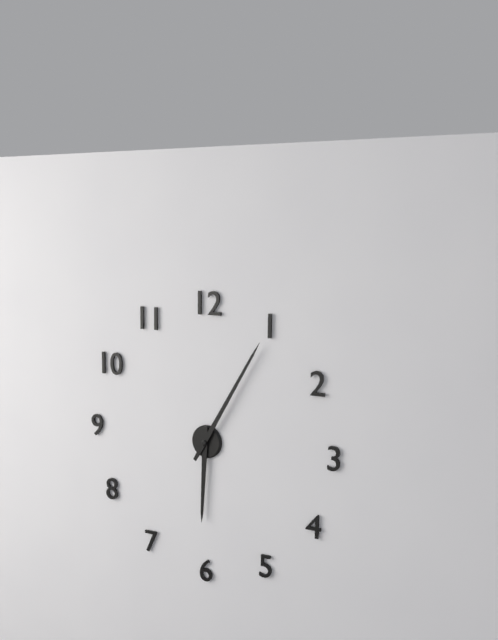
**6:05**
